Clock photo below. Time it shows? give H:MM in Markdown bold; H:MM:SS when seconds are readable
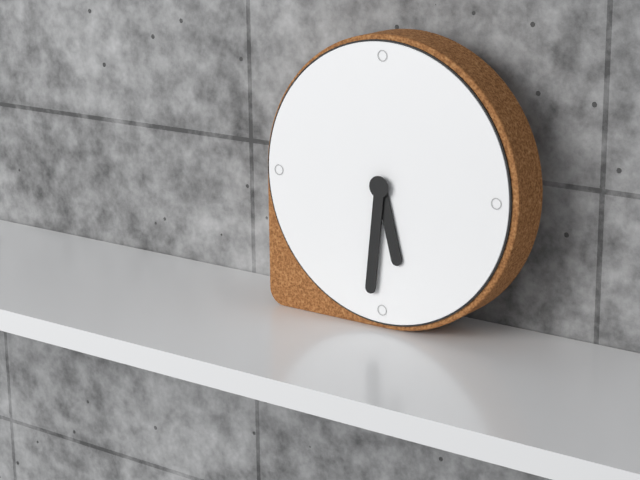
**5:31**
